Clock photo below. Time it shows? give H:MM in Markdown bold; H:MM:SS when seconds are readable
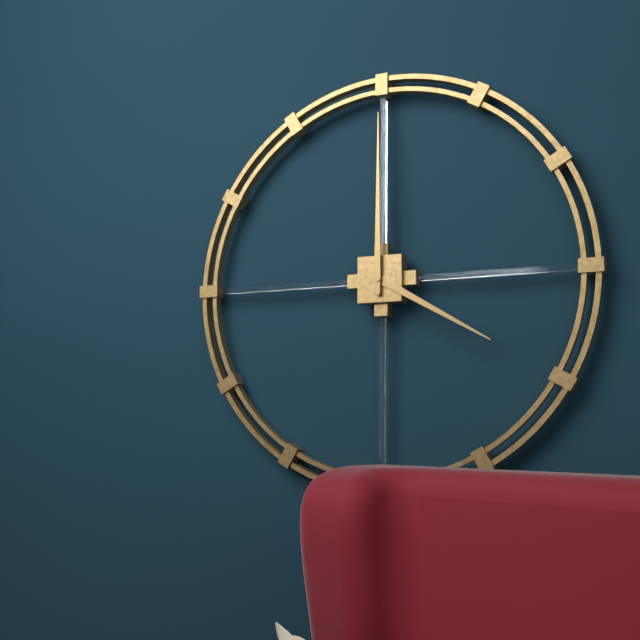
**4:00**
